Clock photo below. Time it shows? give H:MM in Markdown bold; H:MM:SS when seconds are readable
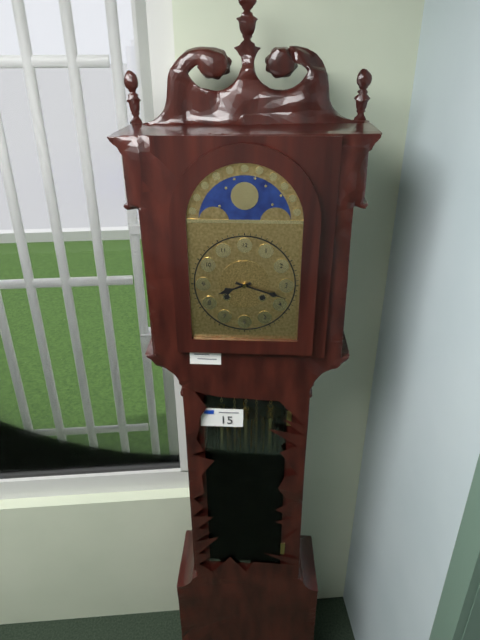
**8:18**
